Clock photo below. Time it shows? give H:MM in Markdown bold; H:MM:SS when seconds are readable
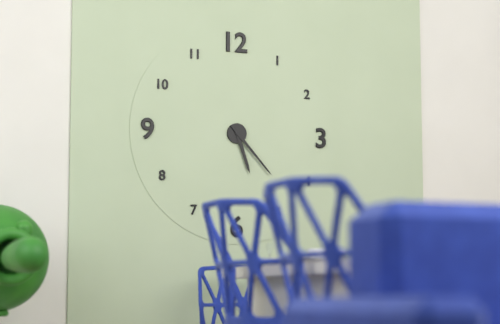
**5:23**
